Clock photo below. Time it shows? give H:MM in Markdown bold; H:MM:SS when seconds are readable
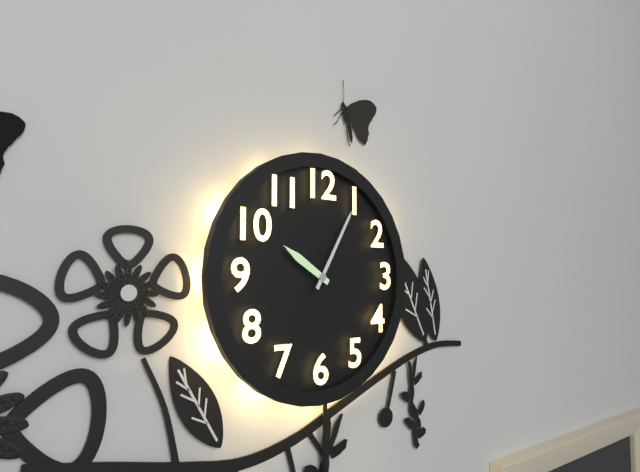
**10:05**
